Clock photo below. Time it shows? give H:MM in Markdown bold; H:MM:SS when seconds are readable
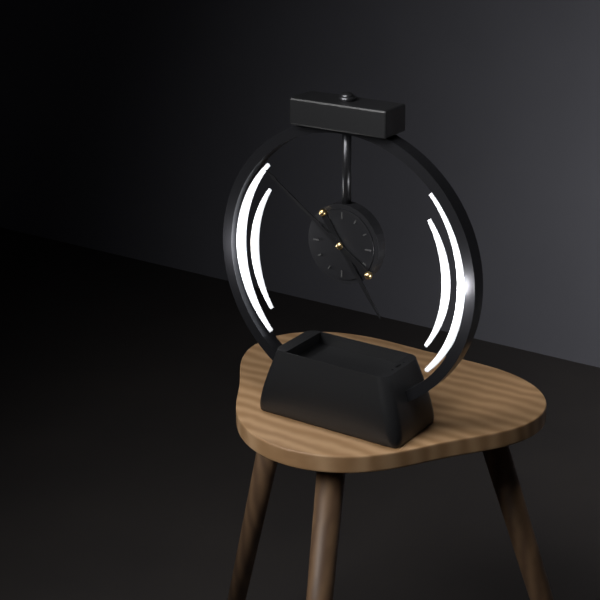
**4:51**
